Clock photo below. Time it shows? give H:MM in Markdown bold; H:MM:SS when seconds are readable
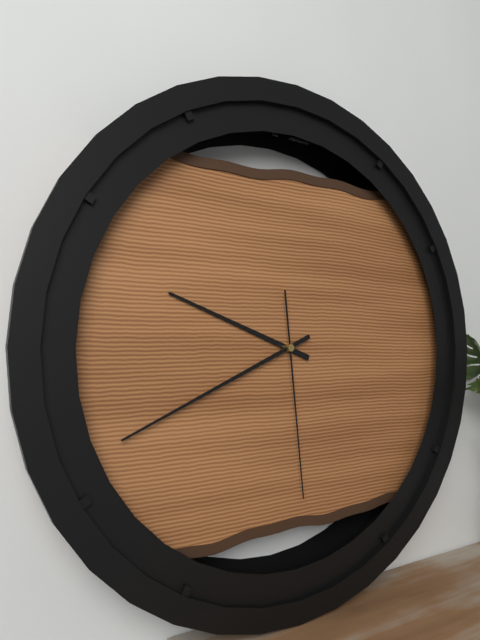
**9:41:29**
